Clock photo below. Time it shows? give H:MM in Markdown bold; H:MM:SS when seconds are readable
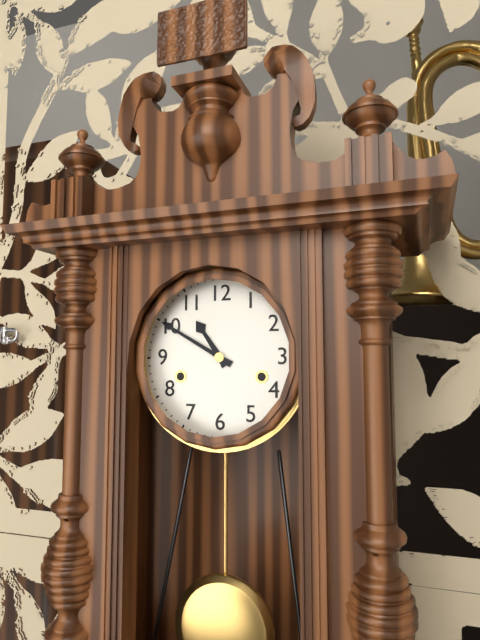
**10:50**
